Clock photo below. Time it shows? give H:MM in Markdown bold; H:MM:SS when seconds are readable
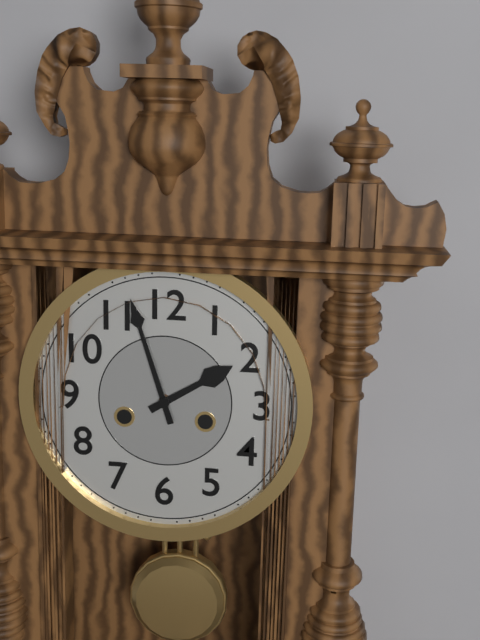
**1:57**
